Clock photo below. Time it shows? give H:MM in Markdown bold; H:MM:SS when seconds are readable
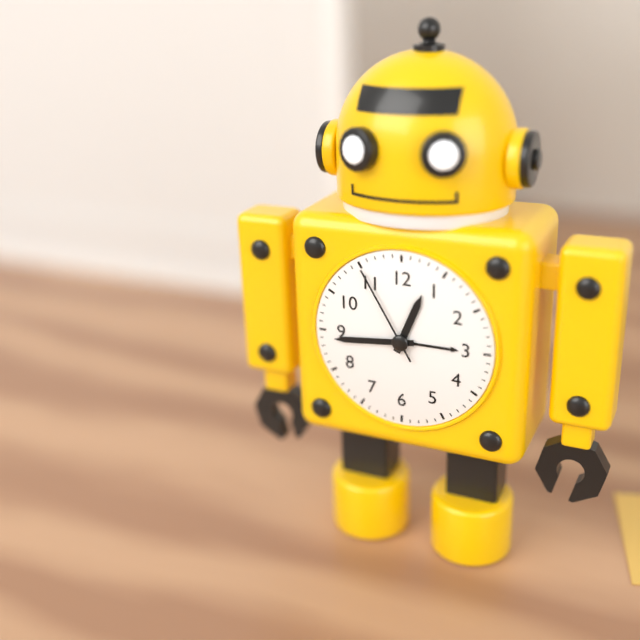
**12:44:55**
